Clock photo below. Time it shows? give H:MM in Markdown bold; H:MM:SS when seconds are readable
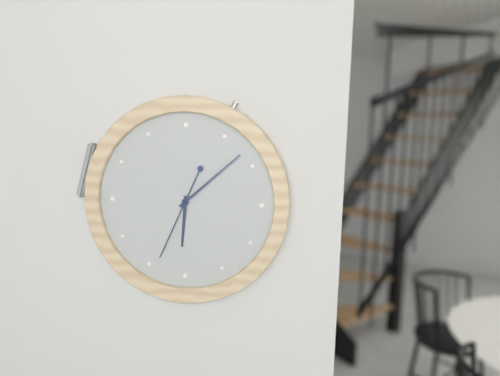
**6:08:34**
